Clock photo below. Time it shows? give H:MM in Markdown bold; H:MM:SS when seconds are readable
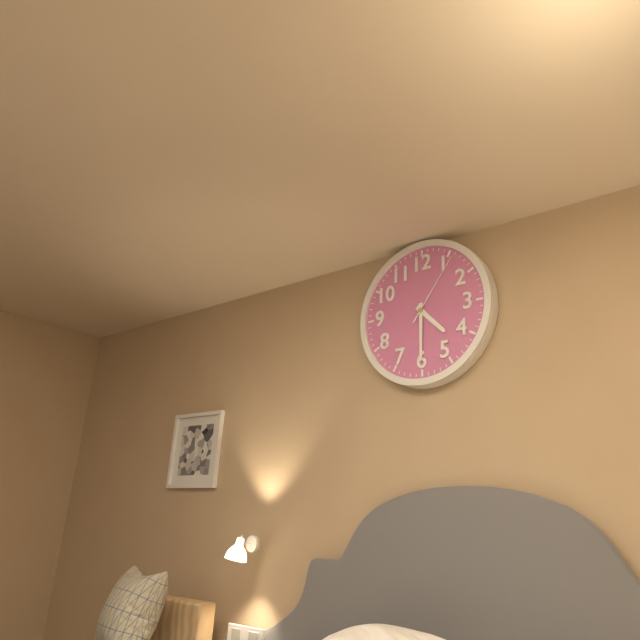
**4:30:06**
